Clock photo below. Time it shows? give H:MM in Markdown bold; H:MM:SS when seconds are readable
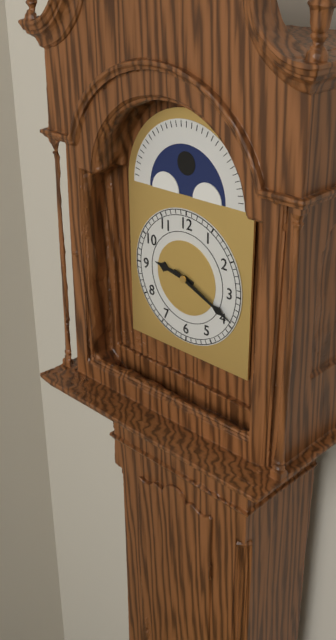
**9:19**
